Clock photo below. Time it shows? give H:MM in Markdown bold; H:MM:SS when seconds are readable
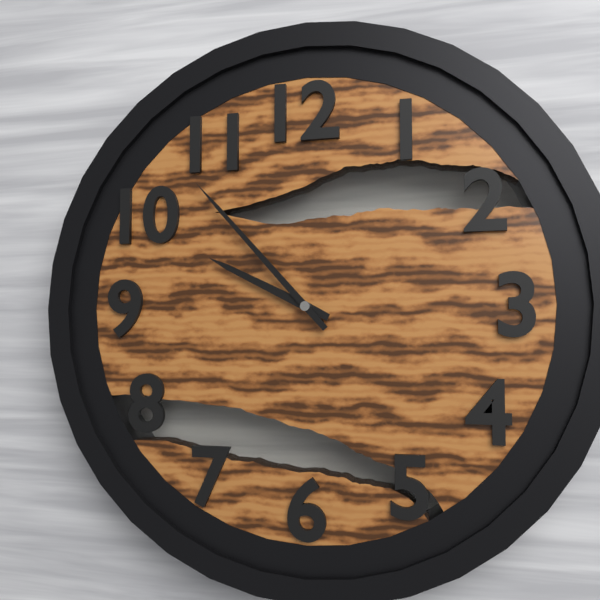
**9:53**
